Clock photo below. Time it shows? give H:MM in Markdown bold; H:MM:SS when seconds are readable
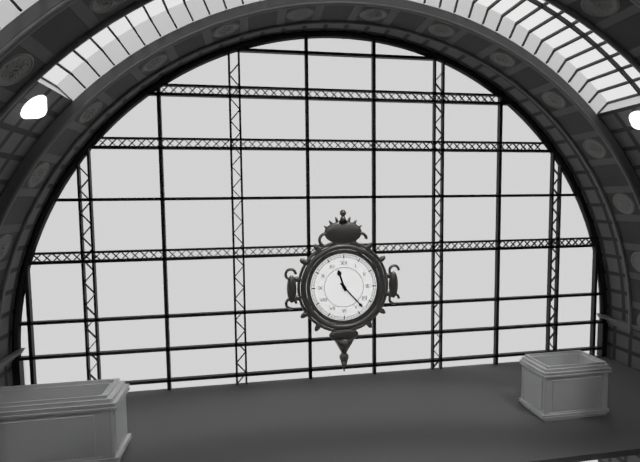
**11:23**
